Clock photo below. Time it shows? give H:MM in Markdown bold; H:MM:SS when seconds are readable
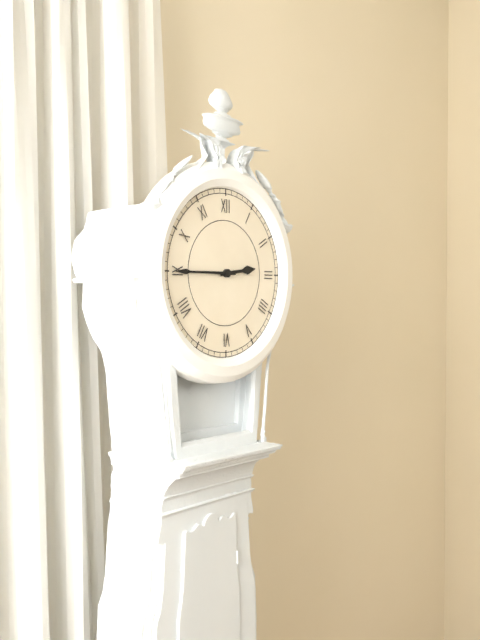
**2:45**
